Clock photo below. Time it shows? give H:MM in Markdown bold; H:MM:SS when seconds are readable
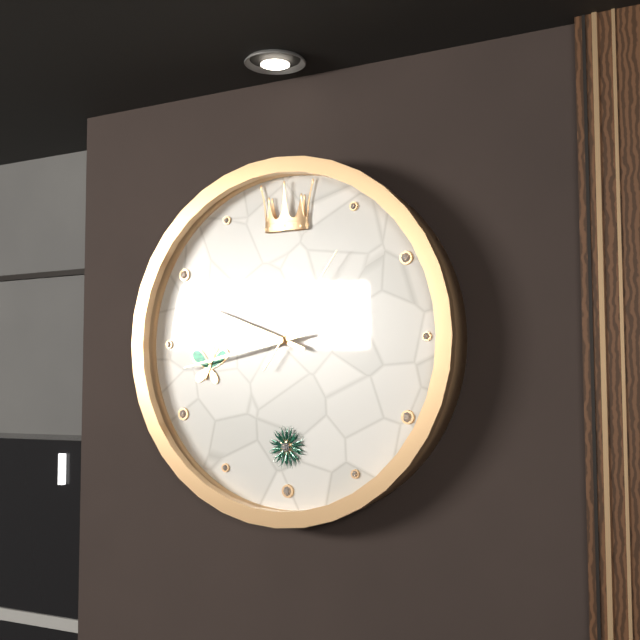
**9:43:06**
